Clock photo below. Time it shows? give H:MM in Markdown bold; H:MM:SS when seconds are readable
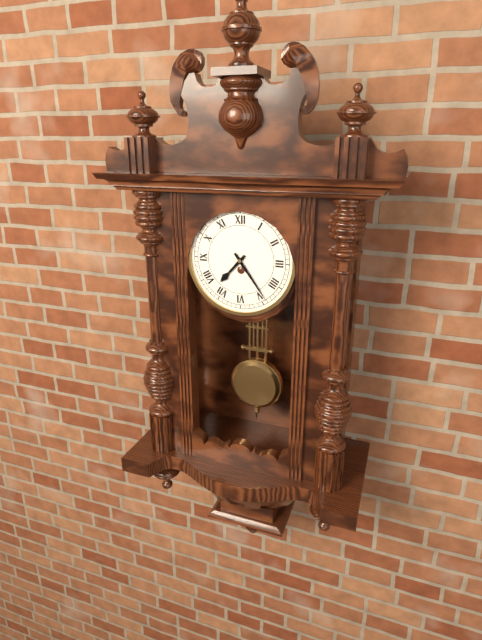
**7:24**
